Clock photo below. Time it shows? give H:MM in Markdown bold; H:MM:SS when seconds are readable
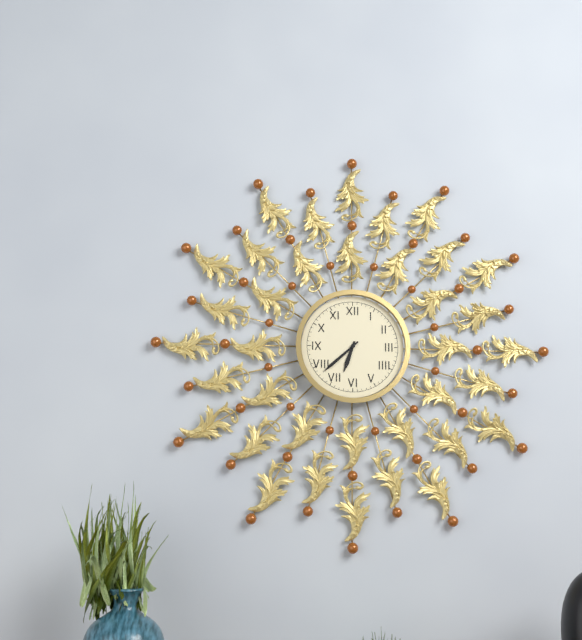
**6:38**
